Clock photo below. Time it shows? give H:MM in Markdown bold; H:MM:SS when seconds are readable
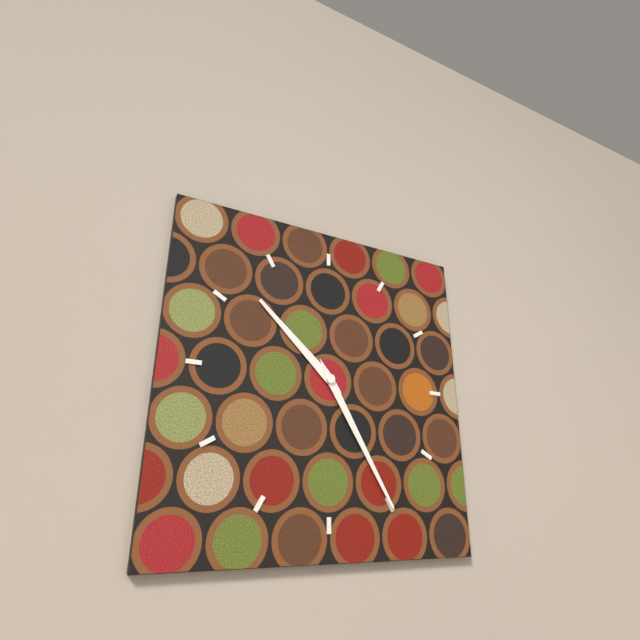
**10:25**
